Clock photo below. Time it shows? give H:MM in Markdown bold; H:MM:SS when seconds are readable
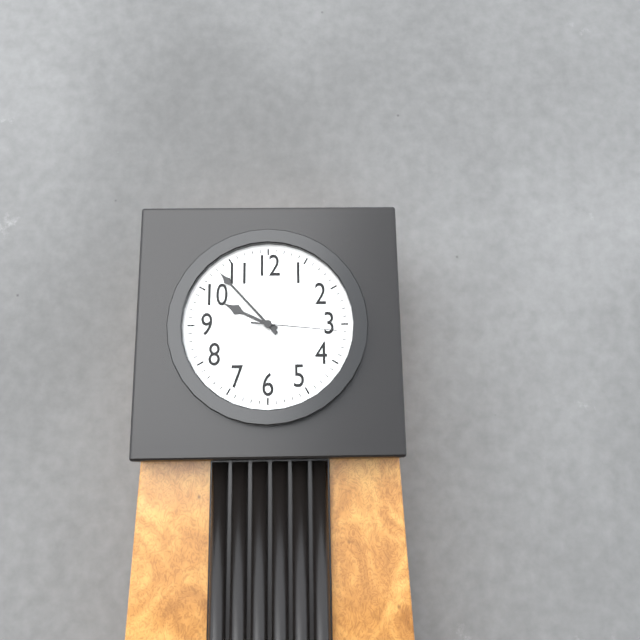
**9:53:16**
